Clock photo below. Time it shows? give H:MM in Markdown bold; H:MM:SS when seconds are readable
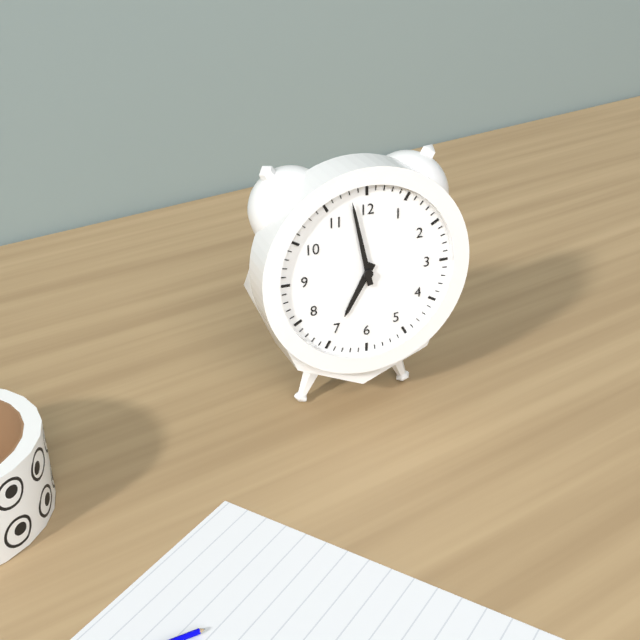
**6:58**
